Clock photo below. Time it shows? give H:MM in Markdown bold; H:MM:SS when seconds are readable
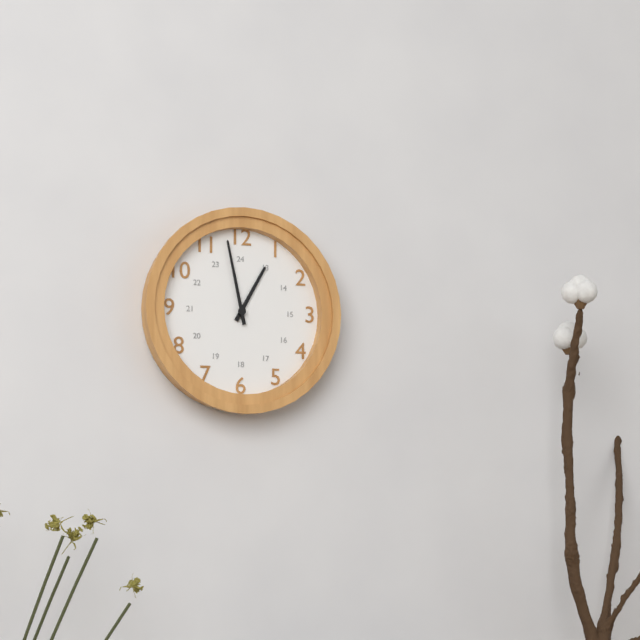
**12:58**
